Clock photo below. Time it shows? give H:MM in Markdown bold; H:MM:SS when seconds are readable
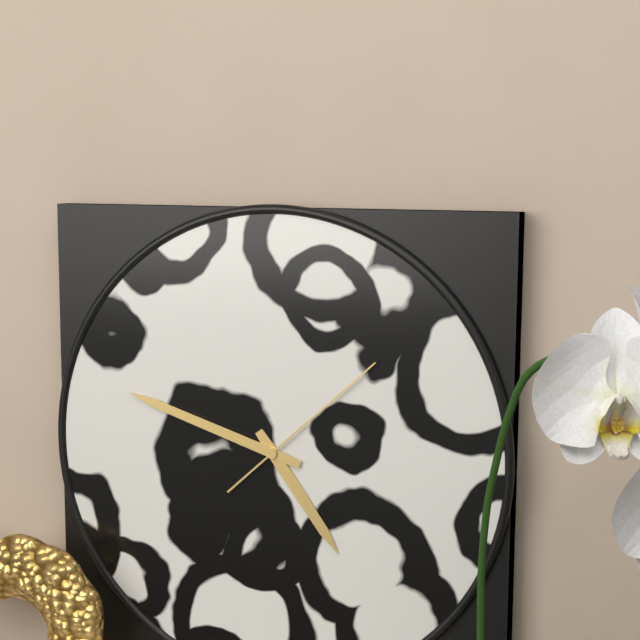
**4:48:08**
